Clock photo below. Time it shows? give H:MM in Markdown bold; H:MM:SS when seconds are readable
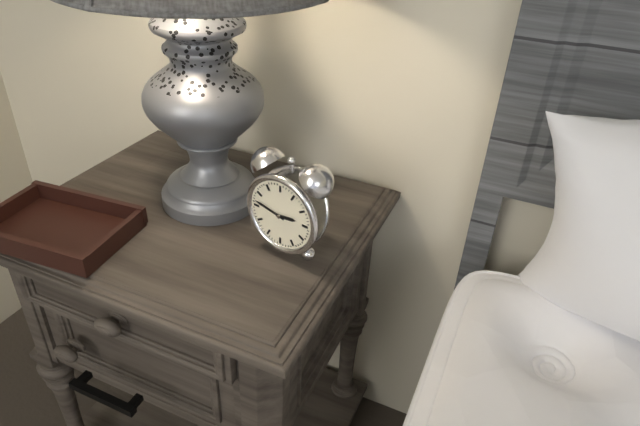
**2:47**
